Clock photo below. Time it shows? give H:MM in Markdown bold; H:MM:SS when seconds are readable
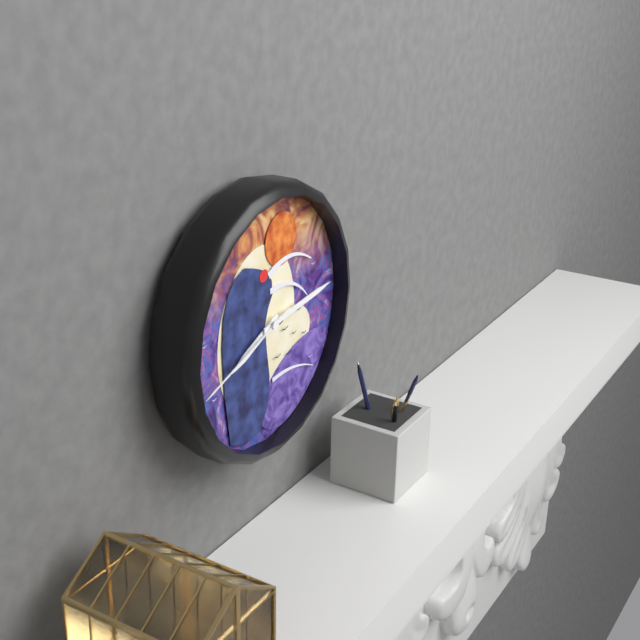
**8:14:42**
